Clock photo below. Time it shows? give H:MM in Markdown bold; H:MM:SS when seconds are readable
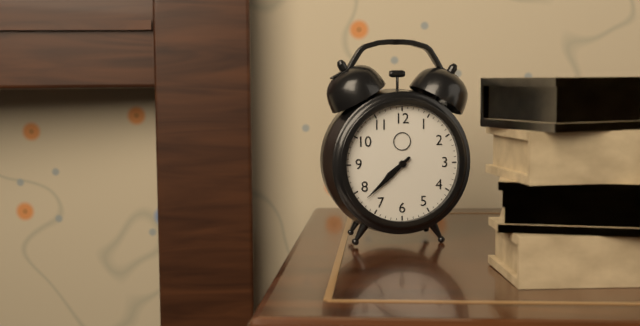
**7:38**
